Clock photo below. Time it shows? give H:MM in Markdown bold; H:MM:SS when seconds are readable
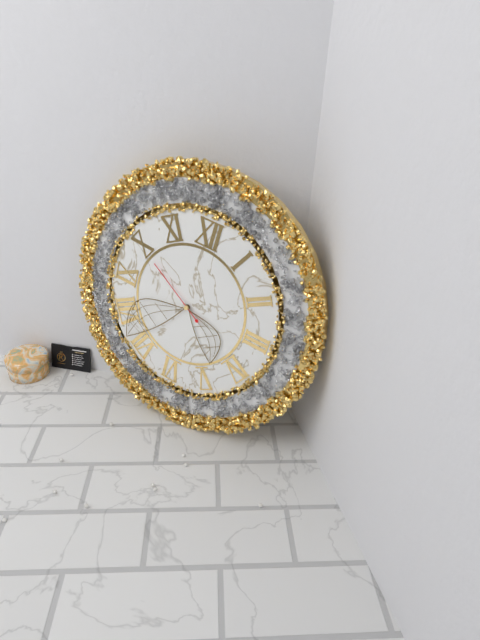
**4:37:50**
